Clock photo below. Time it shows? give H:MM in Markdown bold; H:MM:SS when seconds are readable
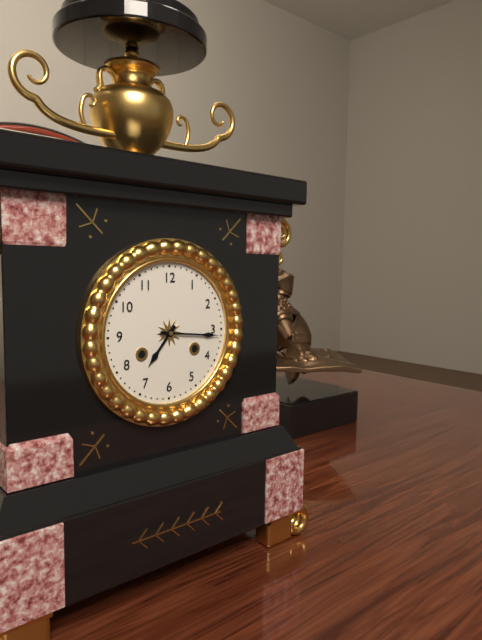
**7:16**
